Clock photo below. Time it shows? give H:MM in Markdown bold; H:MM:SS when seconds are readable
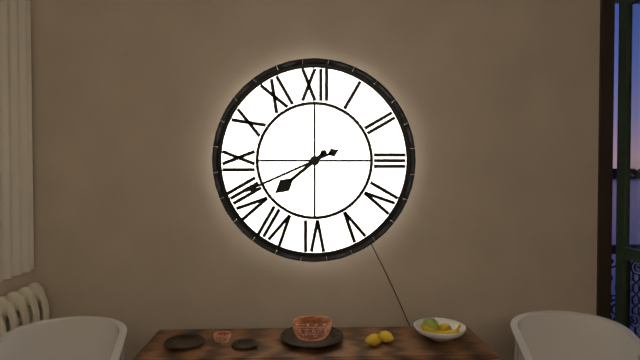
**7:41**
